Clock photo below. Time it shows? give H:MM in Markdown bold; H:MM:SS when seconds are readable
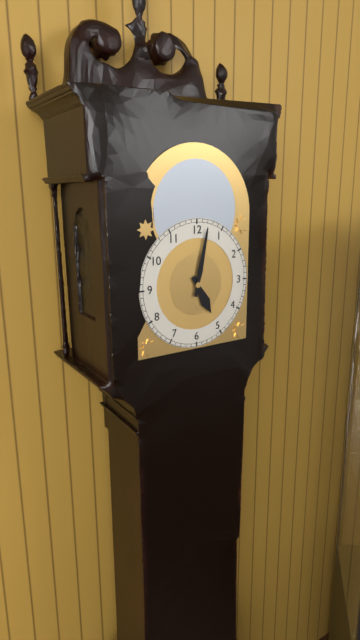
**5:02**
